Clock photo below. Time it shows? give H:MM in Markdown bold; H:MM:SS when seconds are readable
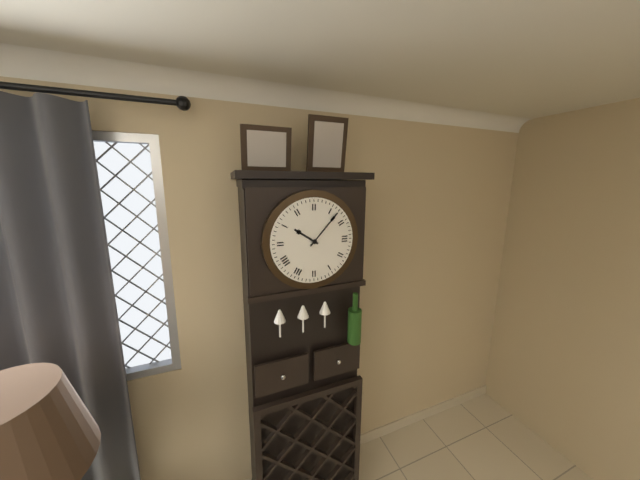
**10:07**
